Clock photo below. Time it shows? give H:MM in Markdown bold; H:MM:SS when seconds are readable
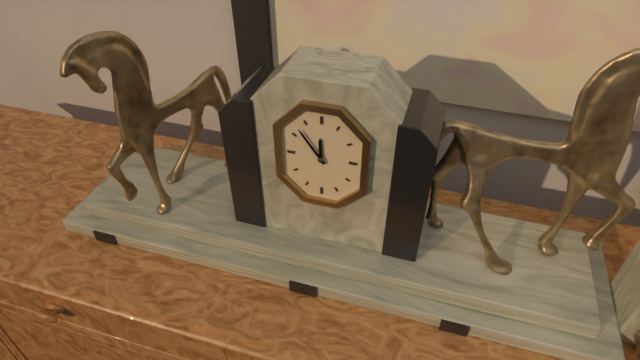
**11:54**
